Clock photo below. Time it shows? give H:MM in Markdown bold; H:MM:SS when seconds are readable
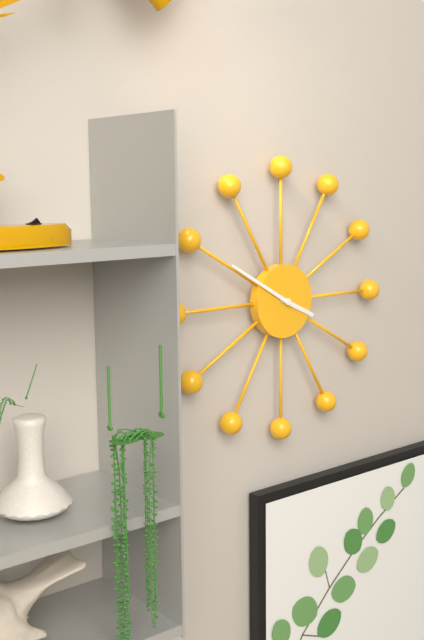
**3:50**
